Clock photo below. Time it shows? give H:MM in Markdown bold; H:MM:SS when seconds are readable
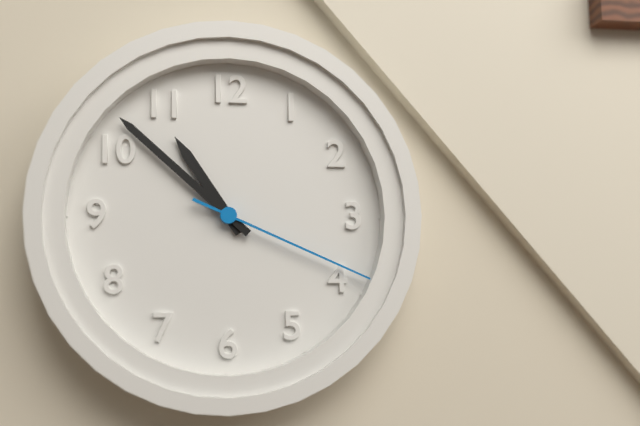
**10:52:19**
